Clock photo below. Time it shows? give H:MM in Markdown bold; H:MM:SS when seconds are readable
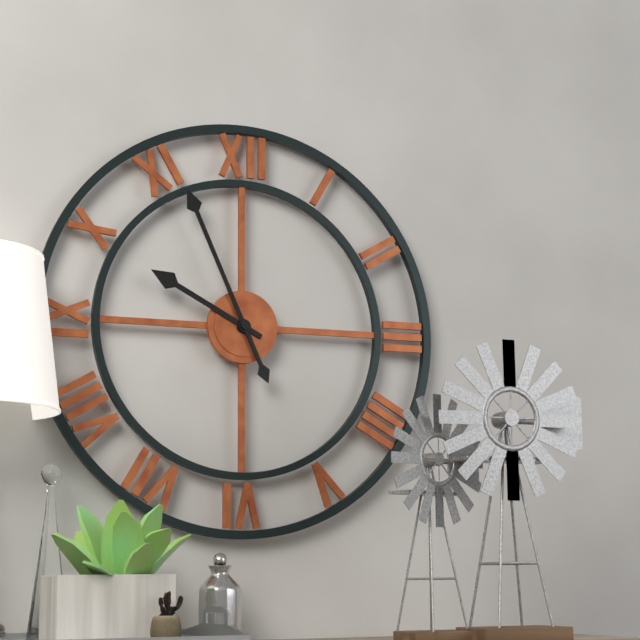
**9:56**
